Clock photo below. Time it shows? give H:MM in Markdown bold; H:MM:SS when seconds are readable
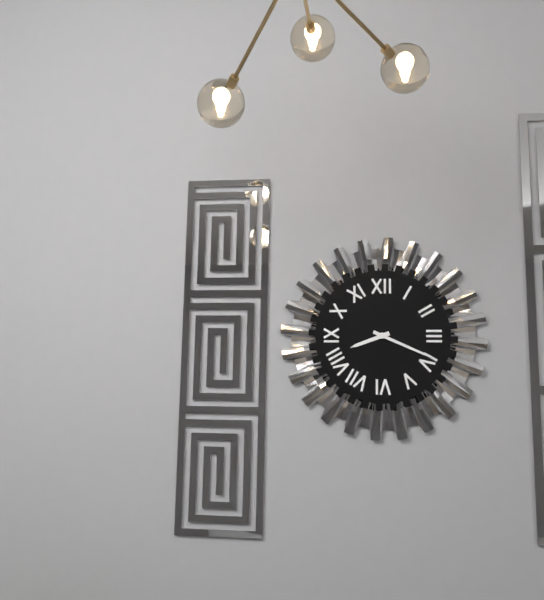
**8:19**
